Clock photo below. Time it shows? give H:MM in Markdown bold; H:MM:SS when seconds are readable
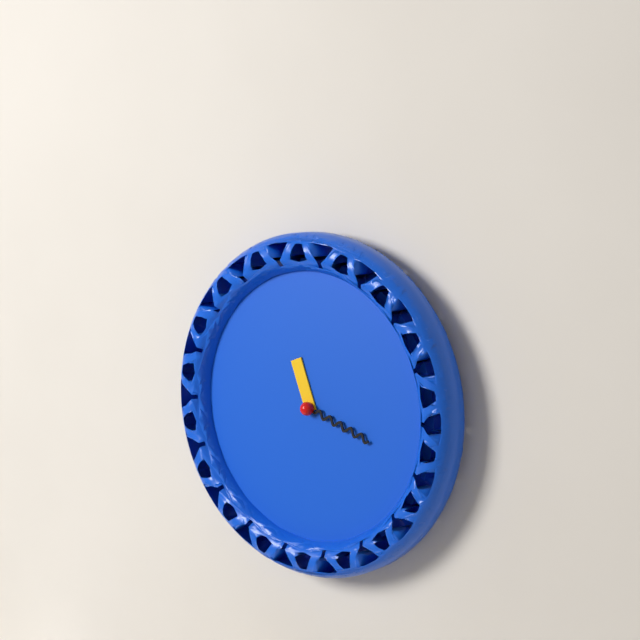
**11:18**
